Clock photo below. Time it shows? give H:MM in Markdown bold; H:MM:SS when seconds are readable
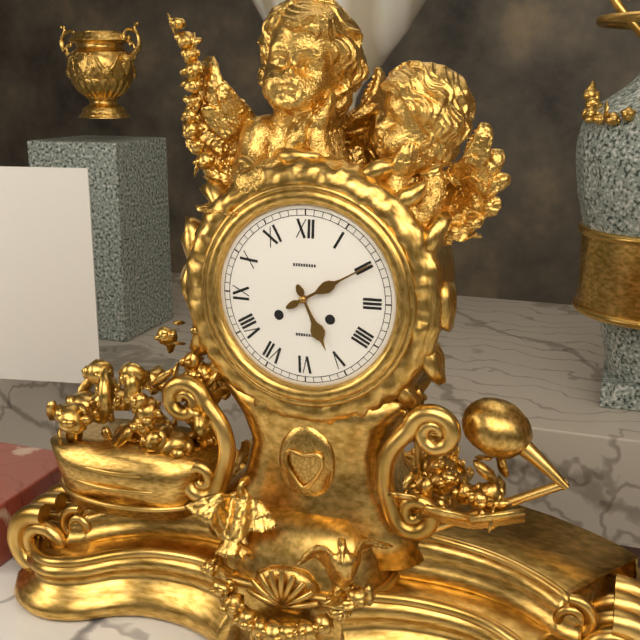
**5:10**
